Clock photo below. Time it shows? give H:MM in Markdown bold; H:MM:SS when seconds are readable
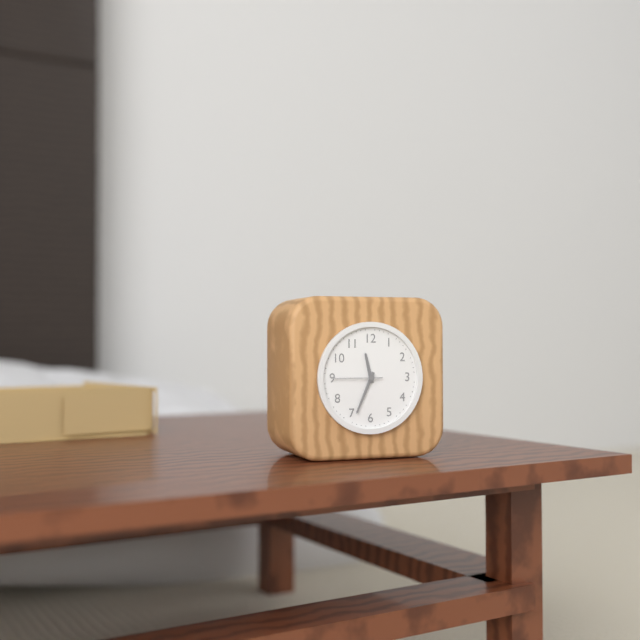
**11:34**
